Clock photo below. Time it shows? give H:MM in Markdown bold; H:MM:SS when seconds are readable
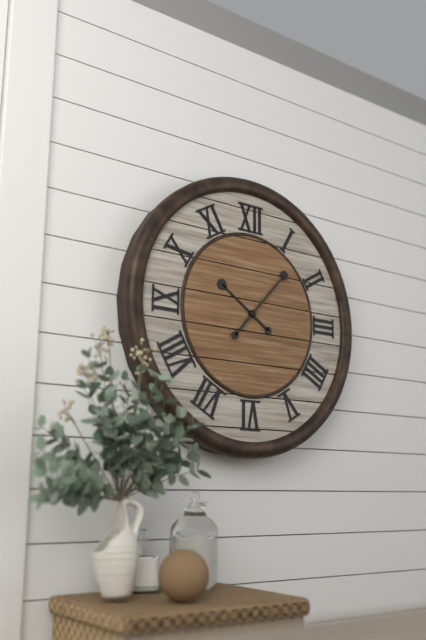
**10:07**
